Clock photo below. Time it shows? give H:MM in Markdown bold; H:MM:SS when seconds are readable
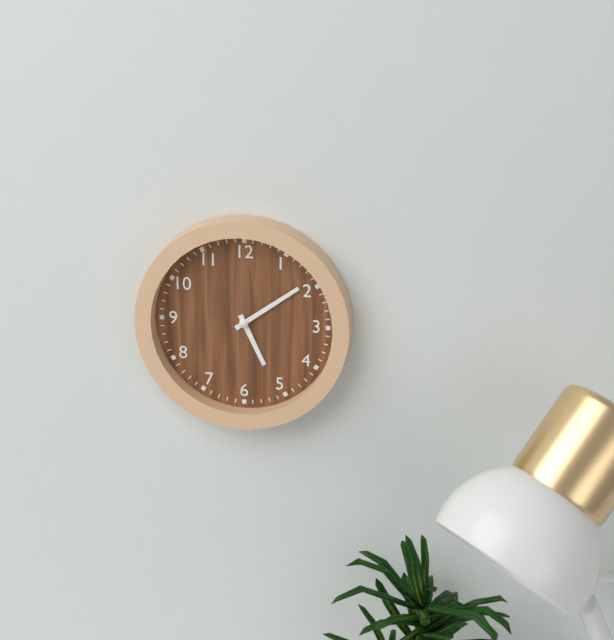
**5:09**
